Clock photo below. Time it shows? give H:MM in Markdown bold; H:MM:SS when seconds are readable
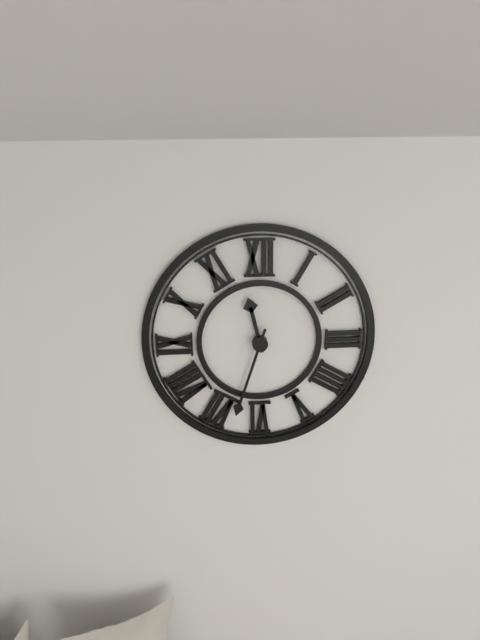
**11:33**
